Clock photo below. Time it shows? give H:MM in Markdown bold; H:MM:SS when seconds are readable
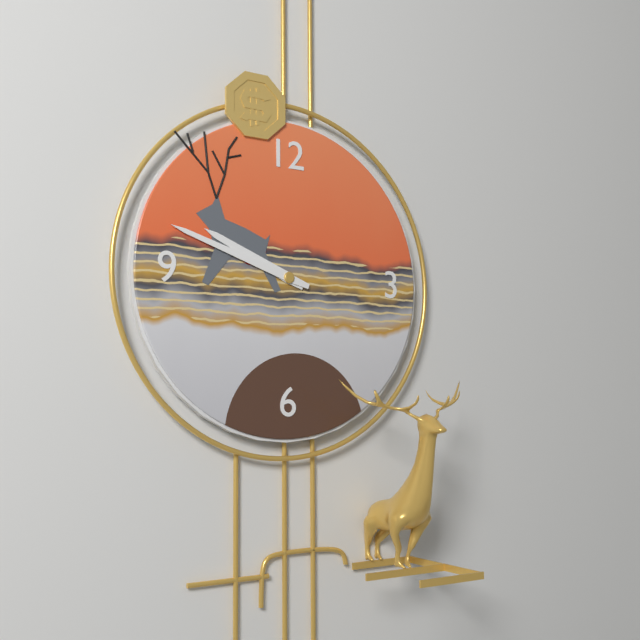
**9:48**
